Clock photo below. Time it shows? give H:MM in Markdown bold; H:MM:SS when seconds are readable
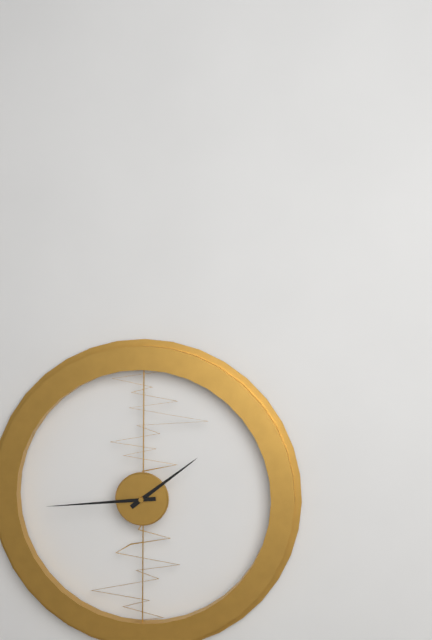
**1:44**
